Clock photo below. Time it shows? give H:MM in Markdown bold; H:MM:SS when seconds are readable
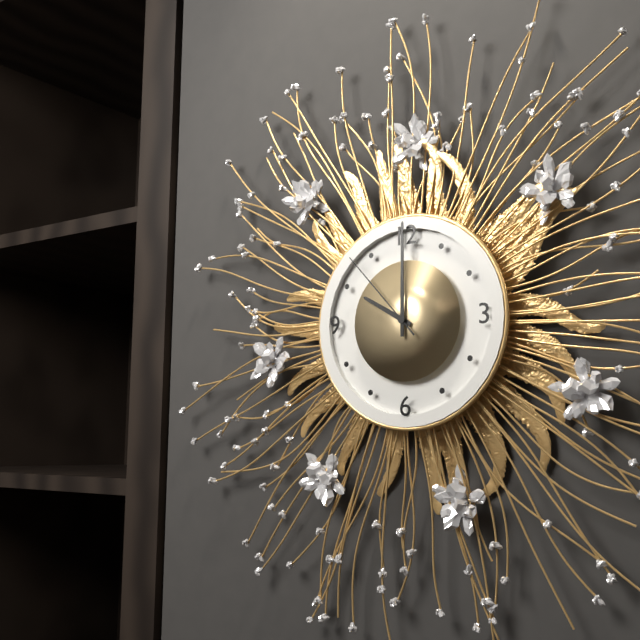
**10:00:53**
